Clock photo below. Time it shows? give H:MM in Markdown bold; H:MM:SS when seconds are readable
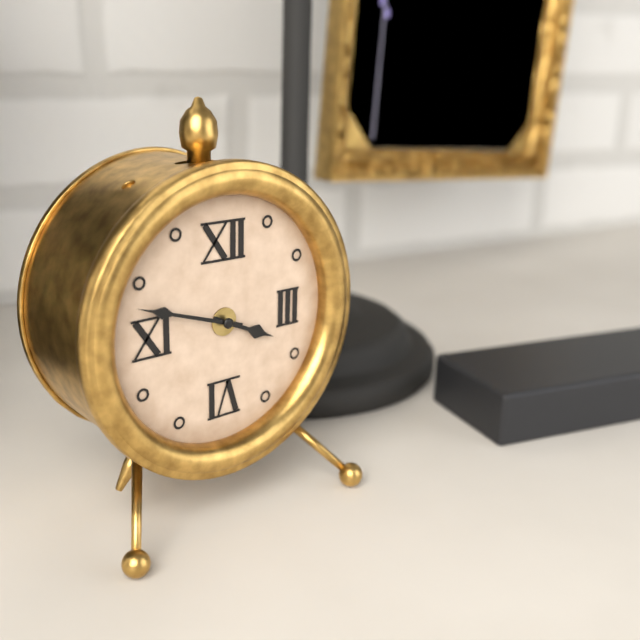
**3:48**
